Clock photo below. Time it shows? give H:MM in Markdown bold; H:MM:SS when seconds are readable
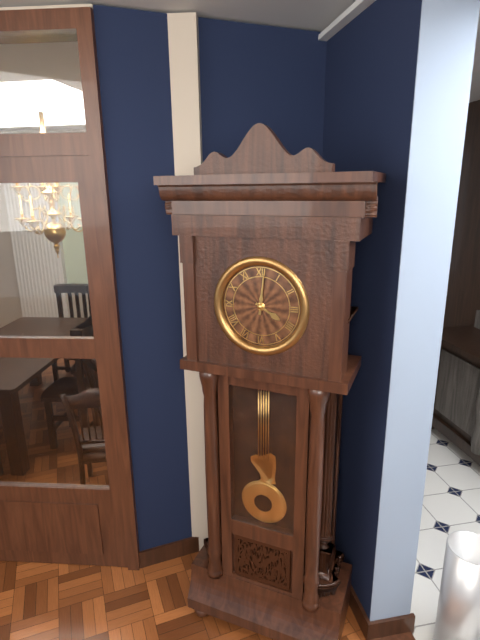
**4:01**
